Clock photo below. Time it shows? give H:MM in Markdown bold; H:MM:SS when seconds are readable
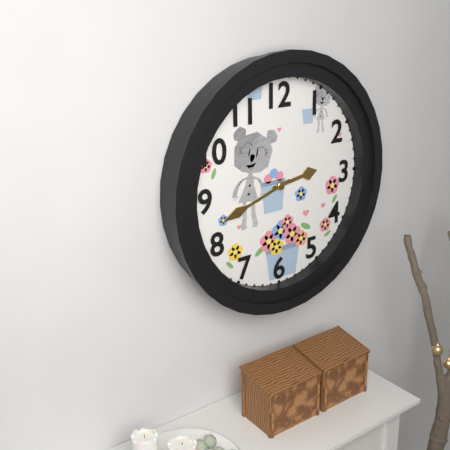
**2:42**
